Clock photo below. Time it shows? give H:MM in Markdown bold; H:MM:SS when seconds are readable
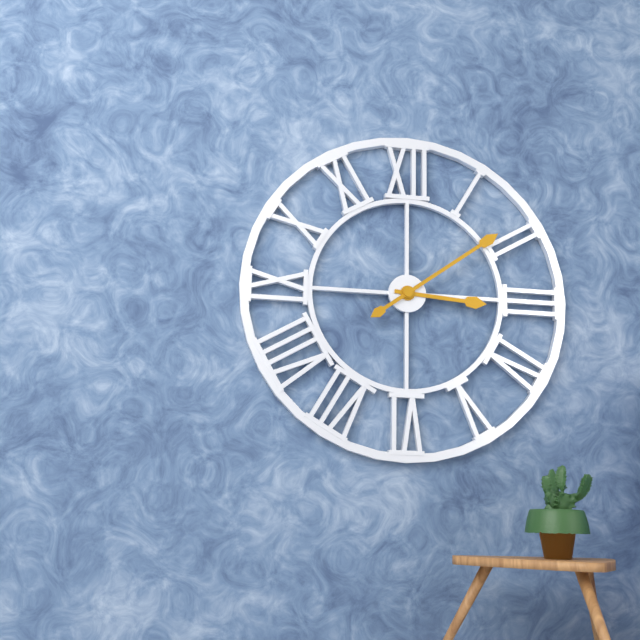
**3:09**
